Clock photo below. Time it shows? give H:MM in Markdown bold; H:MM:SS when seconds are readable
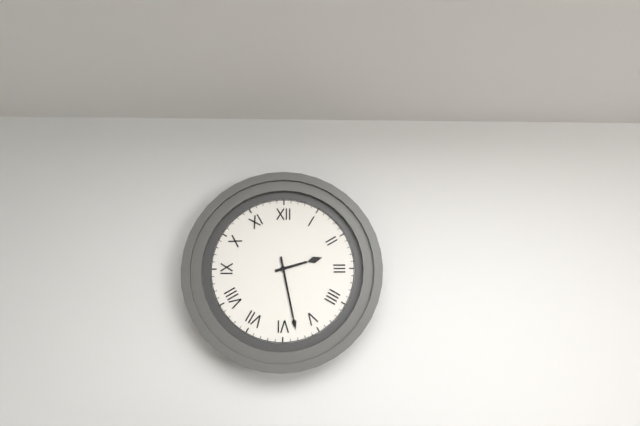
**2:28**
